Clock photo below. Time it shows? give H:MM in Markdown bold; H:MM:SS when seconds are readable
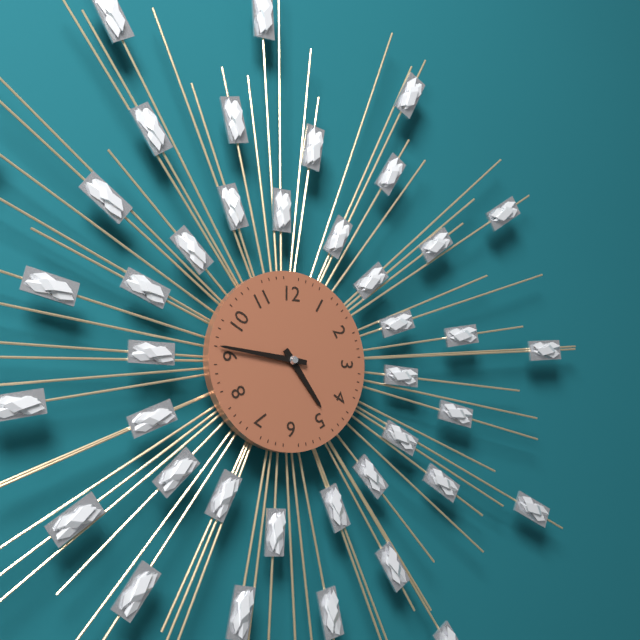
**4:46**
